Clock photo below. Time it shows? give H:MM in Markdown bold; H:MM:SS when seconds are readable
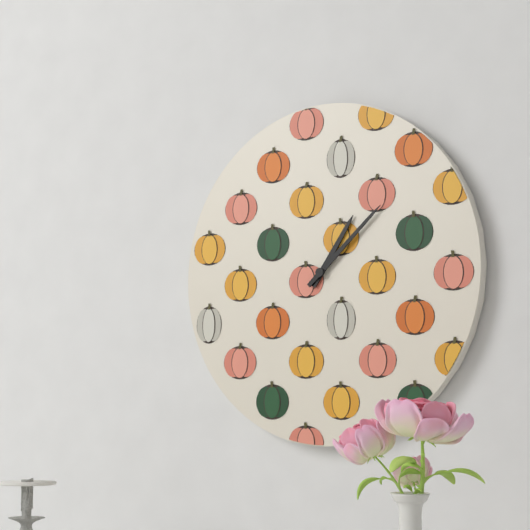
**1:08**
